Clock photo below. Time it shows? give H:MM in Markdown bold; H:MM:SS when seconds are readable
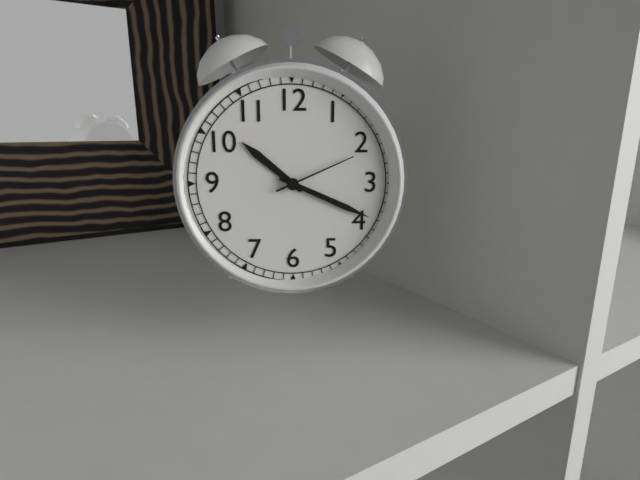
**10:19:11**
